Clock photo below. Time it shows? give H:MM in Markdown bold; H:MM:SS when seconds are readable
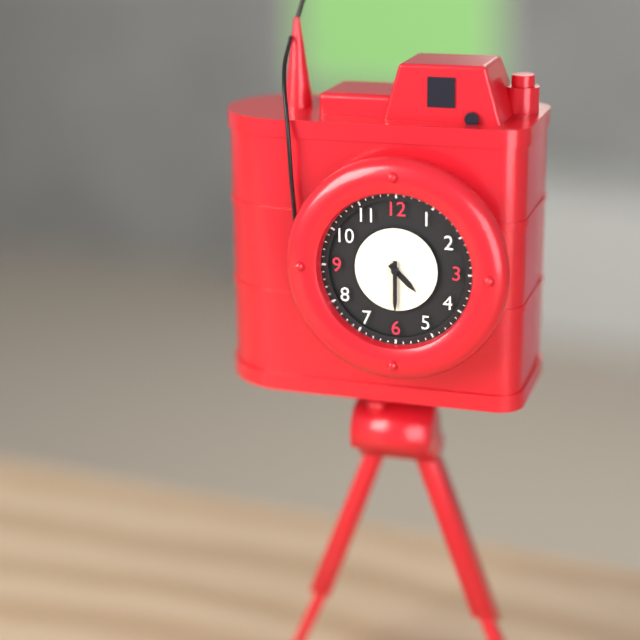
**4:30**
